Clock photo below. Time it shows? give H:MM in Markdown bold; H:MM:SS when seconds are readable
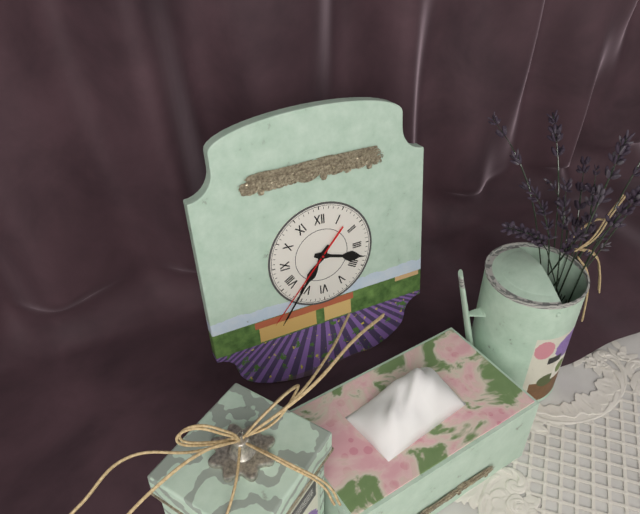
**3:36:37**
